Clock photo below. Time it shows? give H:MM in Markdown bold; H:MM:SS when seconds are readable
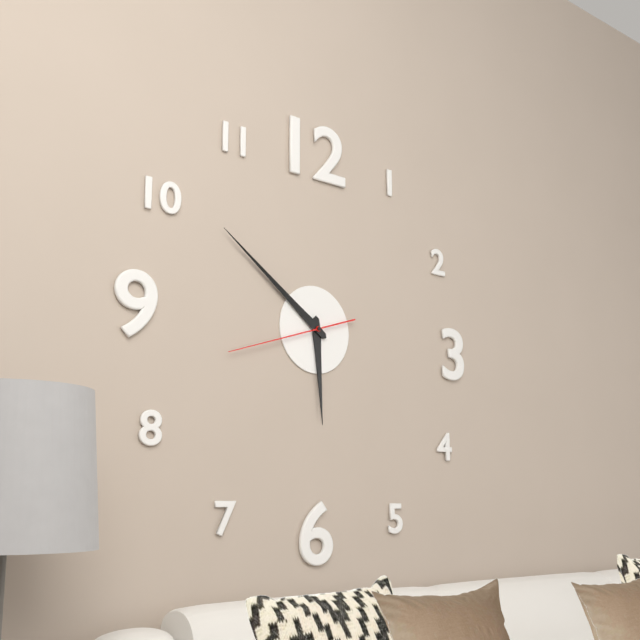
**5:51:42**
